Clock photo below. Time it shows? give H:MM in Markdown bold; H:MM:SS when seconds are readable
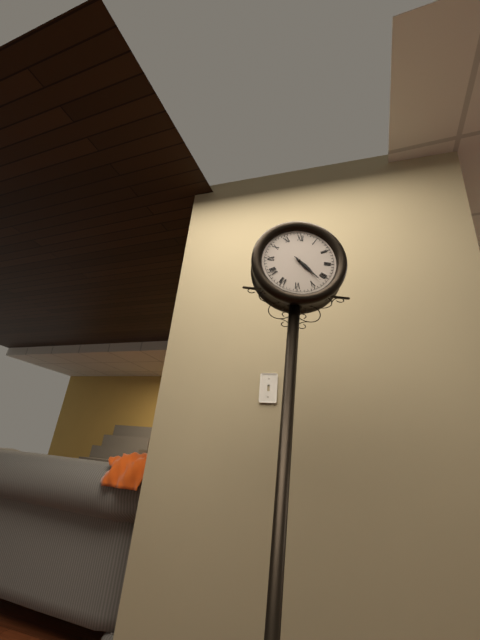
**4:22**
